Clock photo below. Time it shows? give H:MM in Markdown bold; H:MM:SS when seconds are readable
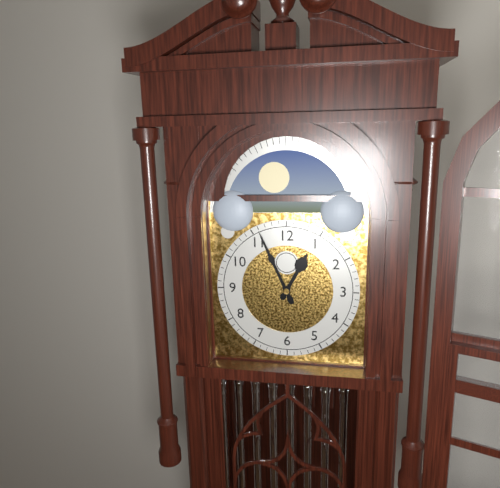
**12:56**
